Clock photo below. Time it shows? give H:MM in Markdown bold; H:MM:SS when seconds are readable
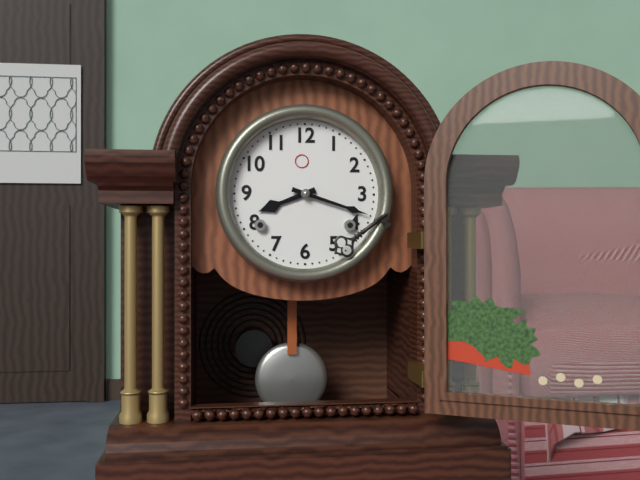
**8:18**
